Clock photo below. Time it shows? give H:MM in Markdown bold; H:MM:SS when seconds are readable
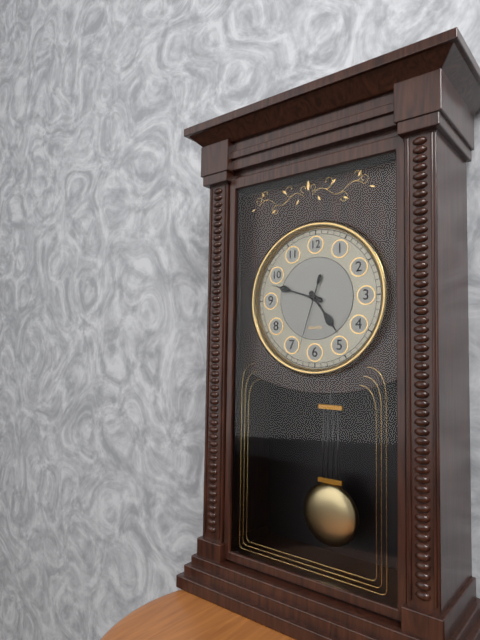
**4:48:33**
